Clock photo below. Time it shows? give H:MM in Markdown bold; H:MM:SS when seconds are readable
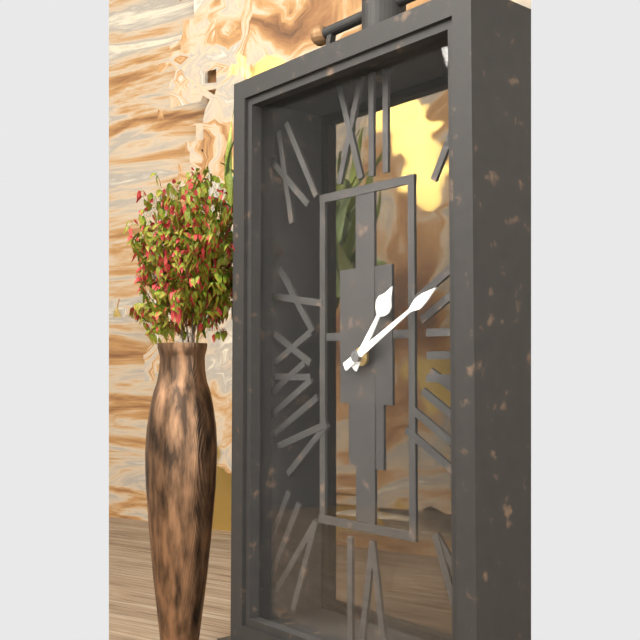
**1:10**
